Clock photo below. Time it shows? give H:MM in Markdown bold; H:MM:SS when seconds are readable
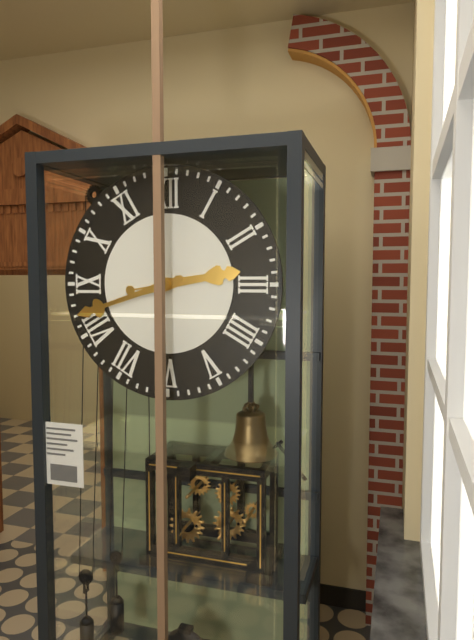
**2:42**
